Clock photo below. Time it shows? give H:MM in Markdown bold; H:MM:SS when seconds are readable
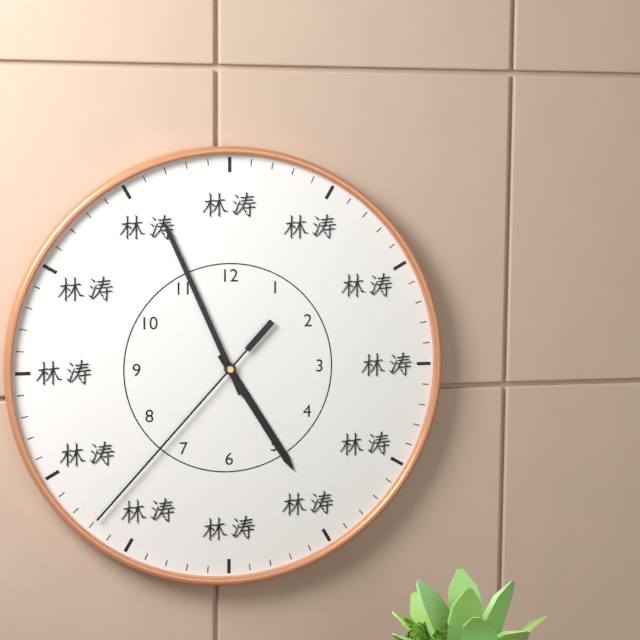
**4:56:37**
